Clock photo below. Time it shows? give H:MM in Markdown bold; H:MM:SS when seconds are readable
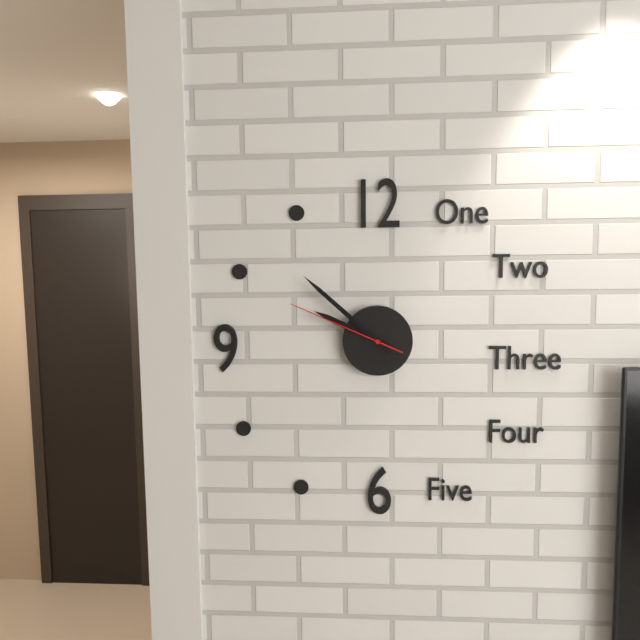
**9:52:49**
